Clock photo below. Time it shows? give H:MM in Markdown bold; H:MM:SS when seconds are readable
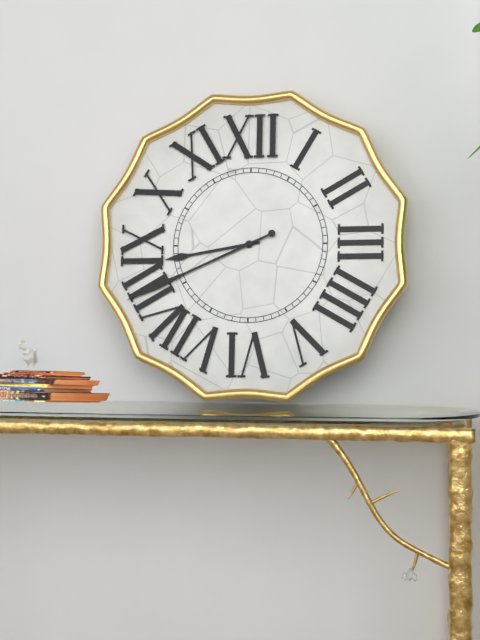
**8:41**
